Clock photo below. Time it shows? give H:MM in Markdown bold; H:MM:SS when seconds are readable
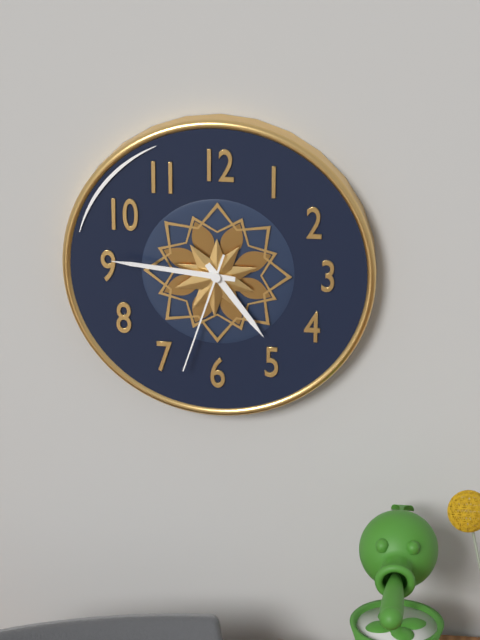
**4:46:33**
